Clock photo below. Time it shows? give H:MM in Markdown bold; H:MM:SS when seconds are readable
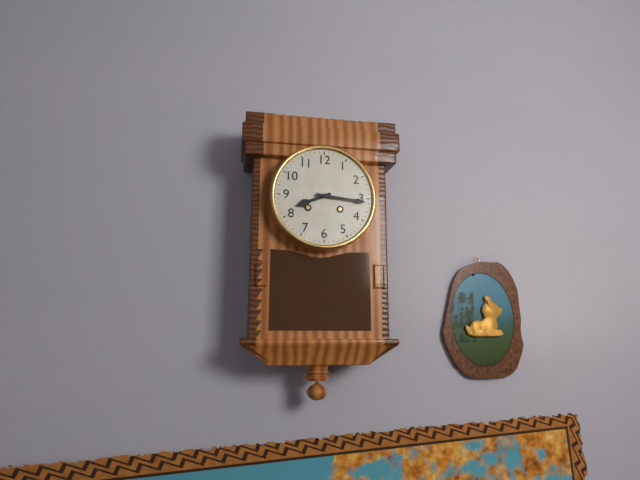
**8:16**
